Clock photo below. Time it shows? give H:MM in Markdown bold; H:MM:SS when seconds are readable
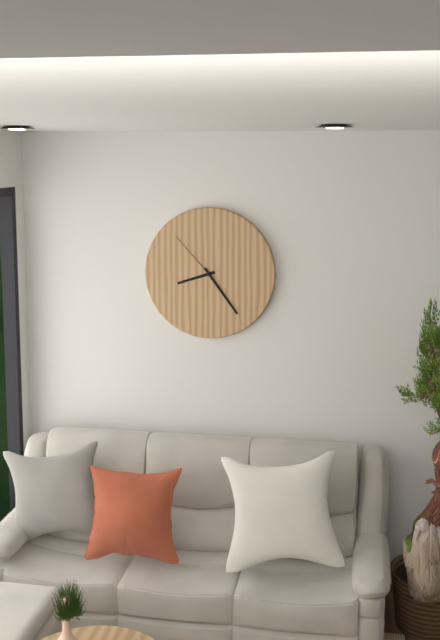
**8:24:53**
